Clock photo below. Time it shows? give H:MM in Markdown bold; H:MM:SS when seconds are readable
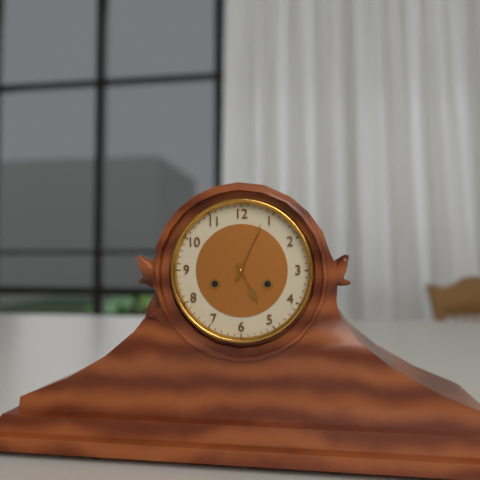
**5:04**
